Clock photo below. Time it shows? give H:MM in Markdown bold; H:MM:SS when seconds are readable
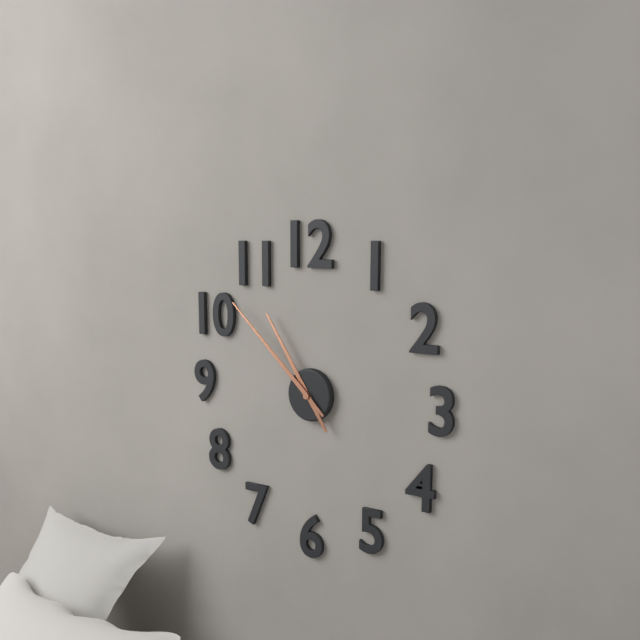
**10:52**
